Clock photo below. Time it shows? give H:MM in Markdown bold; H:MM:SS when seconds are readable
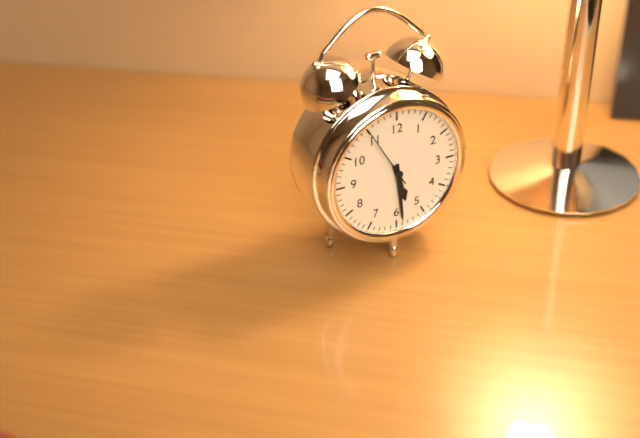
**5:29:55**
